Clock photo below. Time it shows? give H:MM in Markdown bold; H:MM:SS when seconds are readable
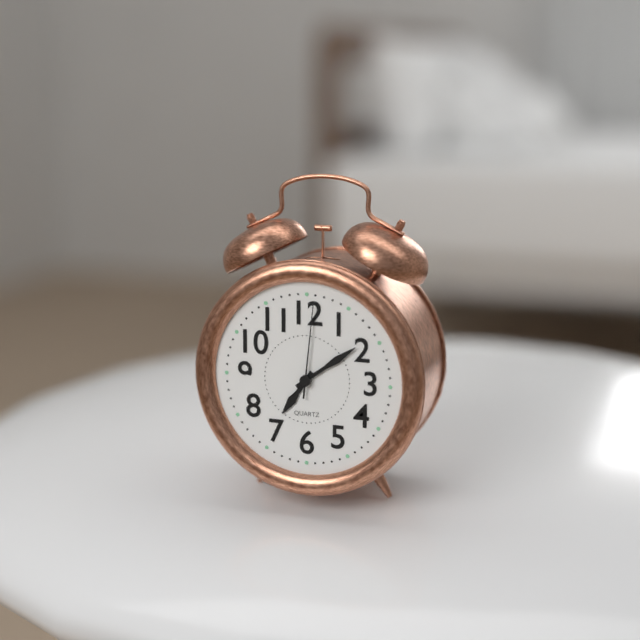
**7:09:01**
